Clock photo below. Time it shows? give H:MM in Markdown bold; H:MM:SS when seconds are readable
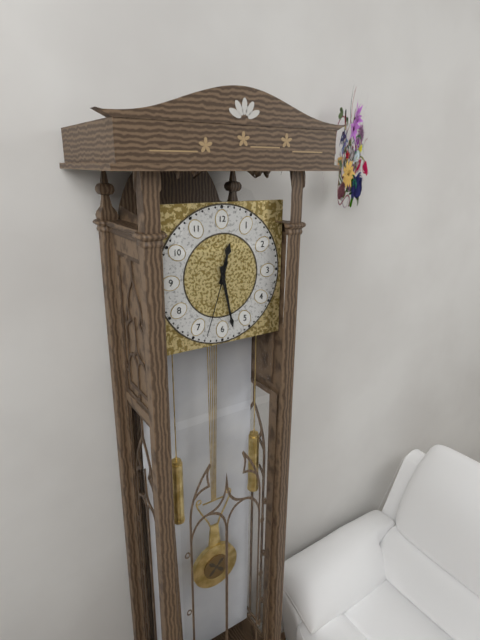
**12:28:33**
